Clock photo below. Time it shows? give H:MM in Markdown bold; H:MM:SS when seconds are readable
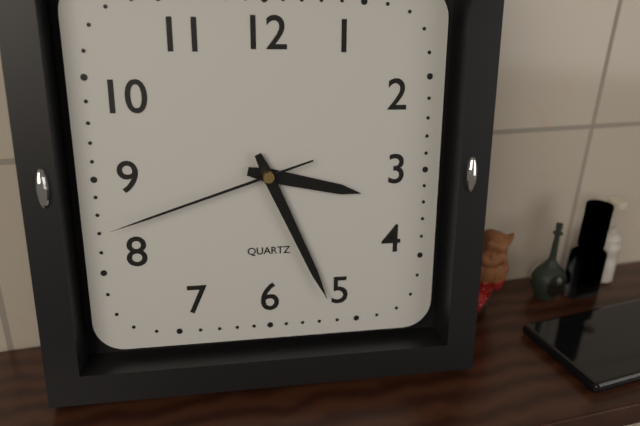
**3:26:42**
